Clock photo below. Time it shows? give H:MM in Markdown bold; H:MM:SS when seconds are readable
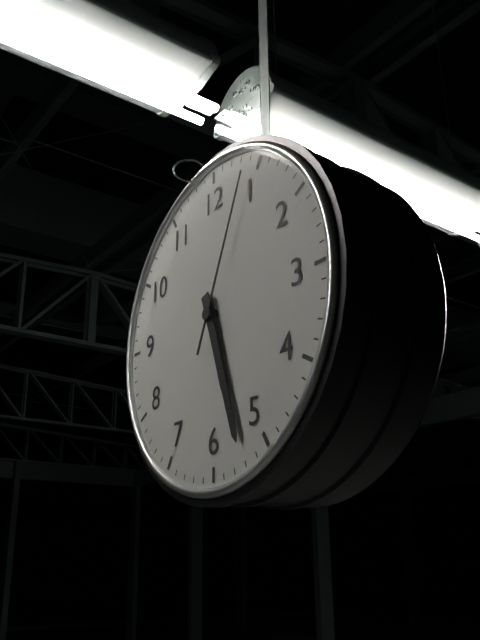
**5:27:04**
